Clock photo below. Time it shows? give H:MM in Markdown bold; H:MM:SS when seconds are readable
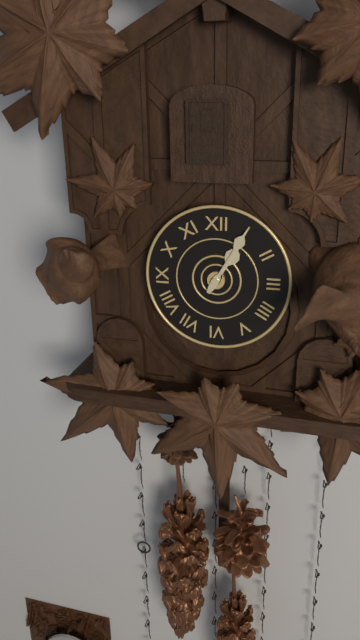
**1:05**
